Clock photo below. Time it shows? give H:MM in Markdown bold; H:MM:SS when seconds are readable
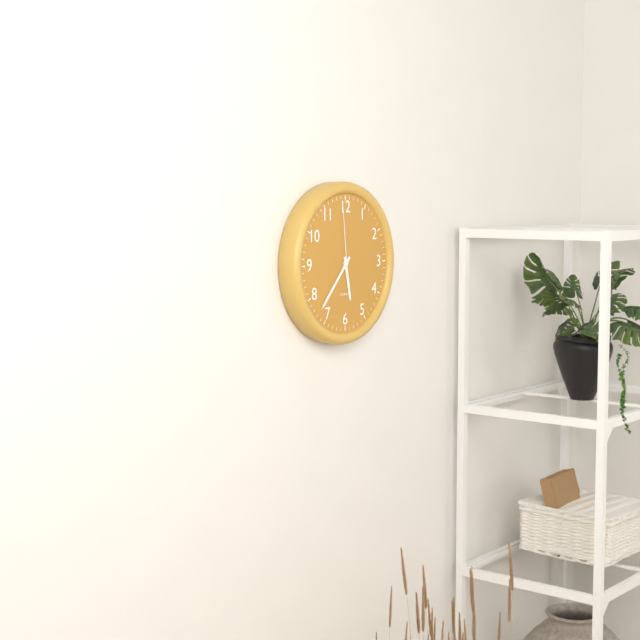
**5:37:59**
